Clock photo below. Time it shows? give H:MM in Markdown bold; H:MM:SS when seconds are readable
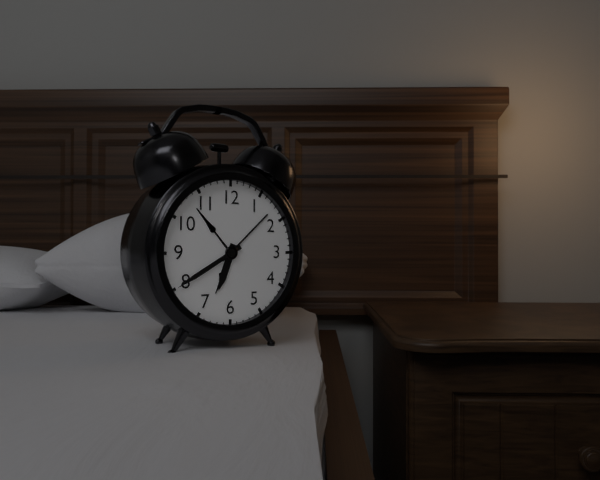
**6:40**
